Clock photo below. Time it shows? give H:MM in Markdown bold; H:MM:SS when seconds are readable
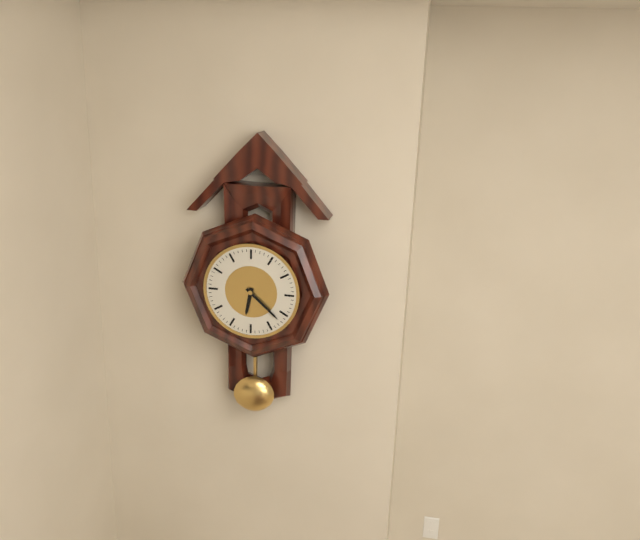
**6:22**
